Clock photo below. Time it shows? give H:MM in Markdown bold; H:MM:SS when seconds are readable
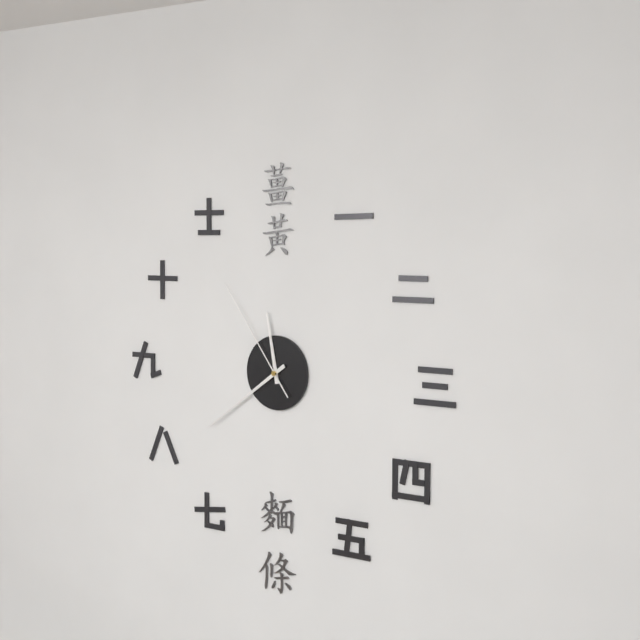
**11:39:54**
